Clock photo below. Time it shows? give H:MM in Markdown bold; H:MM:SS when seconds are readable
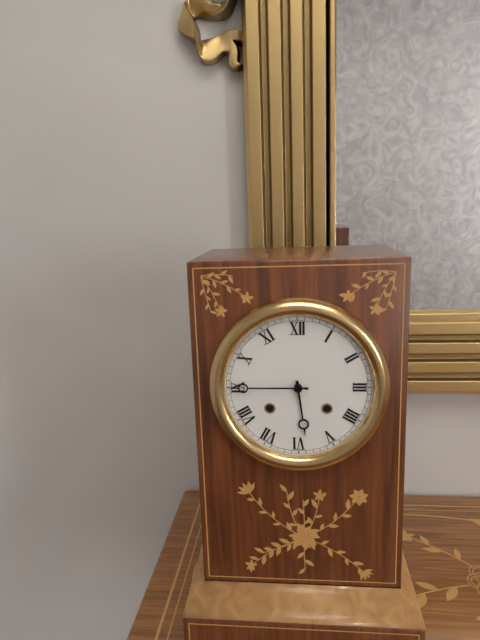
**5:45**
